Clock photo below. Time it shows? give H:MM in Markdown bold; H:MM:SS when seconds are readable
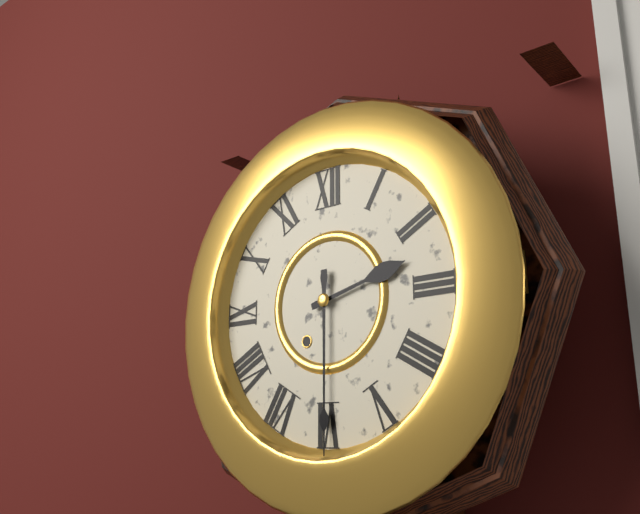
**2:30**
